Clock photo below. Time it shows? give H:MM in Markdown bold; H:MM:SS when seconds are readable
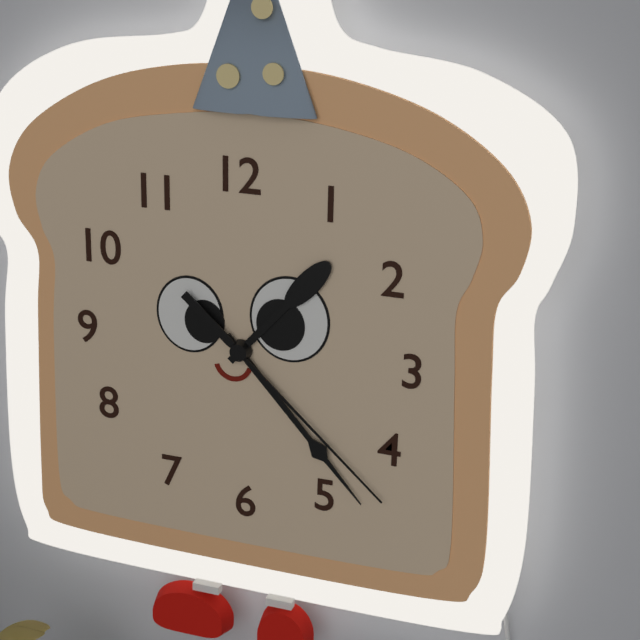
**1:23:22**
